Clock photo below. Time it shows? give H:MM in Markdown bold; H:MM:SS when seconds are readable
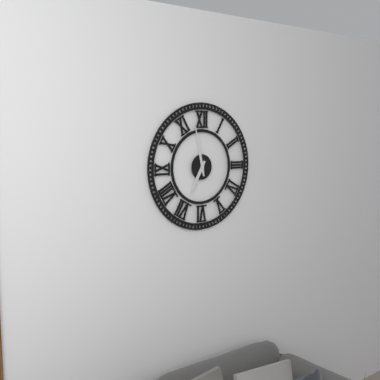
**6:58**
